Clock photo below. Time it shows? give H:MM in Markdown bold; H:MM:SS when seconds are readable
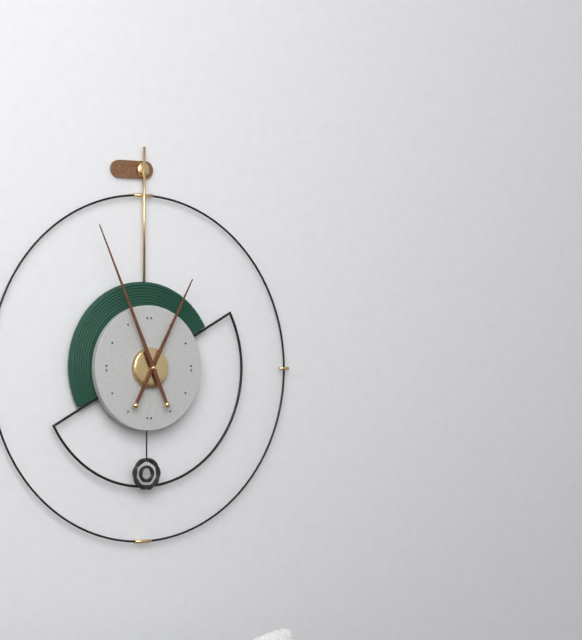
**12:56**
